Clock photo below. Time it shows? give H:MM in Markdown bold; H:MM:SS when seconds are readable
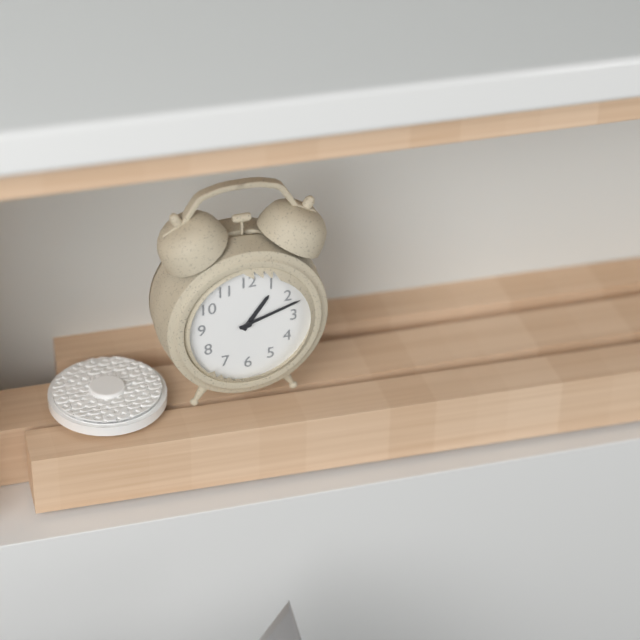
**1:12**
